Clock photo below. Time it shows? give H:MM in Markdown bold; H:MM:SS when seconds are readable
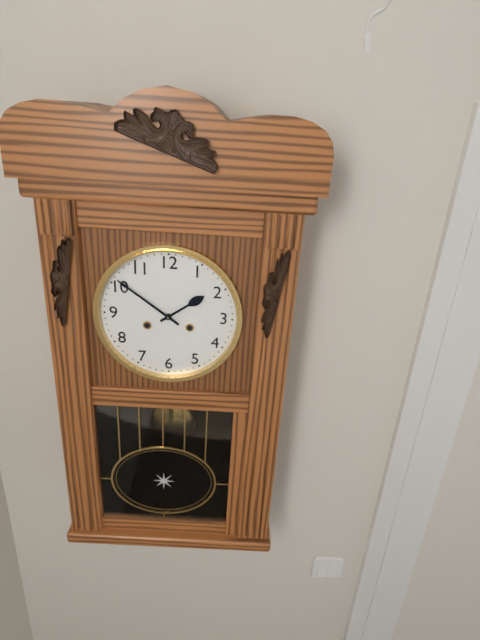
**1:51**
